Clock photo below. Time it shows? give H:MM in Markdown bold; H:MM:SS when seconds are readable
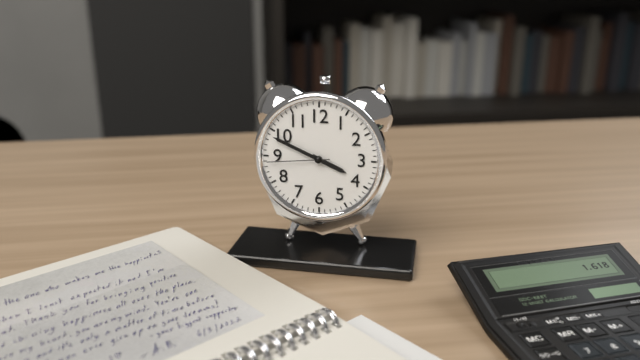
**3:49:44**
